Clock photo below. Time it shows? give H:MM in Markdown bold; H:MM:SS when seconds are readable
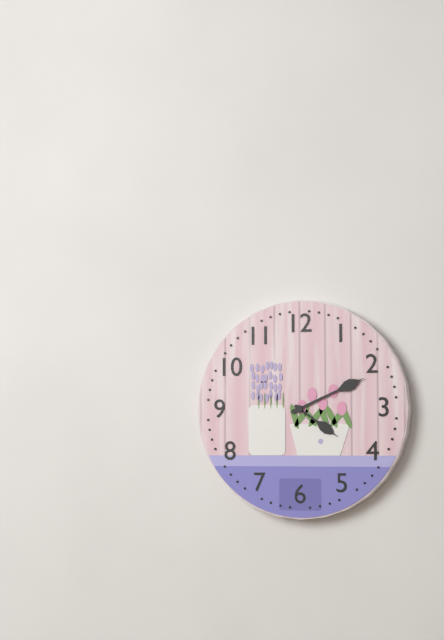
**4:11**
